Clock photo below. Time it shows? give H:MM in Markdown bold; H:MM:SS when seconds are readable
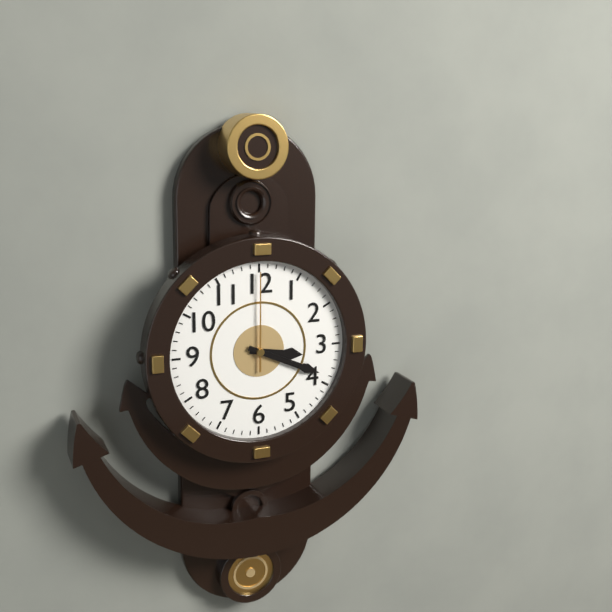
**3:19:00**
